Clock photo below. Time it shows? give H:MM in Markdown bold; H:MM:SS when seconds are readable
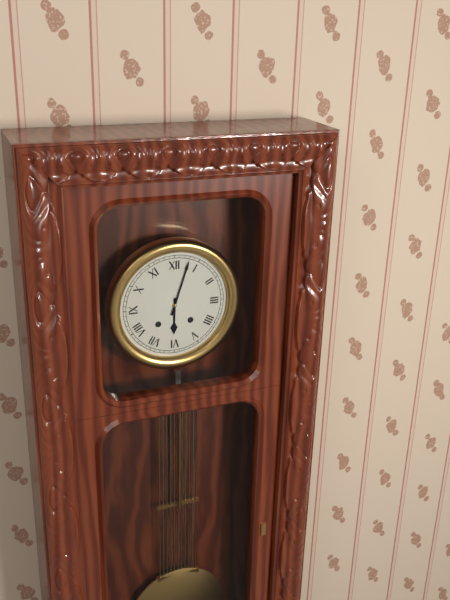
**6:03**
